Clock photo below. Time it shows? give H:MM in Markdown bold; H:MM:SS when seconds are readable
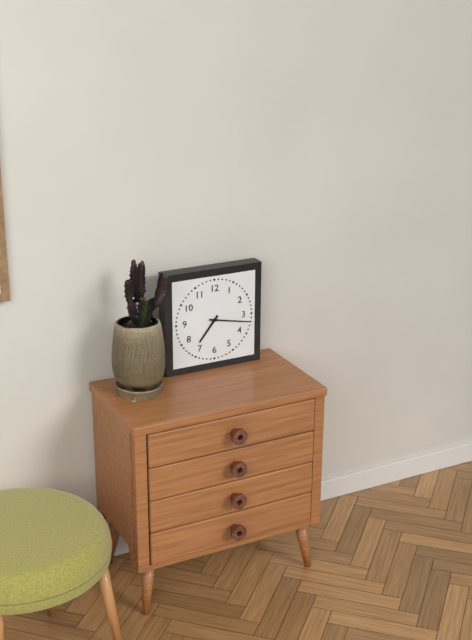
**7:17**
